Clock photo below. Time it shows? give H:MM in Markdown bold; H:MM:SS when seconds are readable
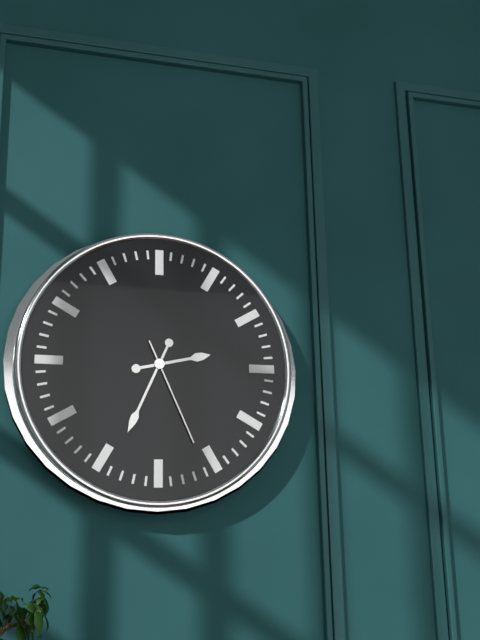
**2:34:26**
